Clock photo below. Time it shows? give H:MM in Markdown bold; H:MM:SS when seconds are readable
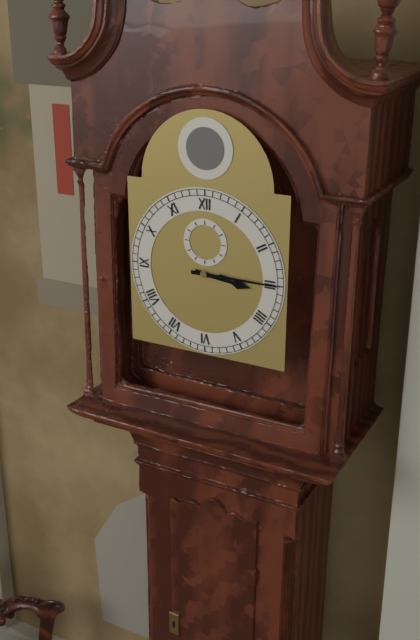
**3:15**
